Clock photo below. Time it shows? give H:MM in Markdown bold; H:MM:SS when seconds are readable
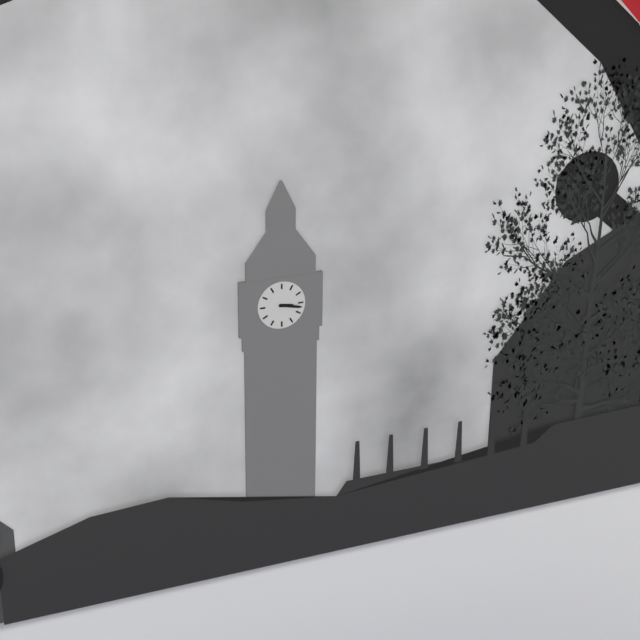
**3:17**
